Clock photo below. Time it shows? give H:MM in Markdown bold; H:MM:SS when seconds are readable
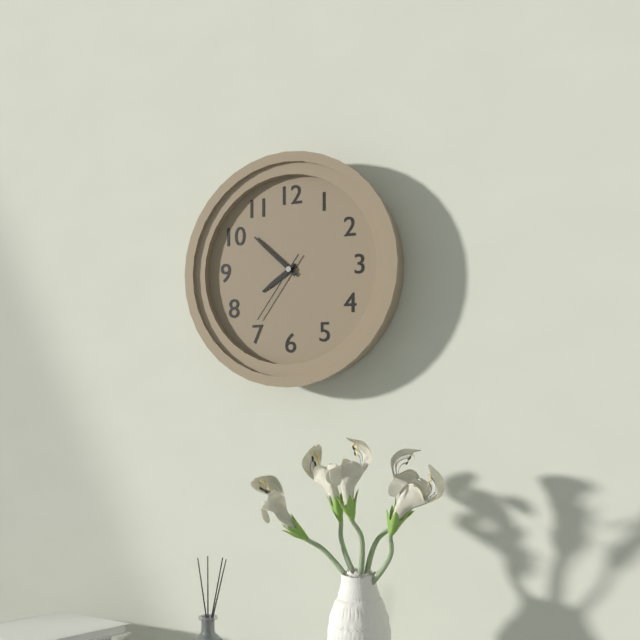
**7:52:36**
